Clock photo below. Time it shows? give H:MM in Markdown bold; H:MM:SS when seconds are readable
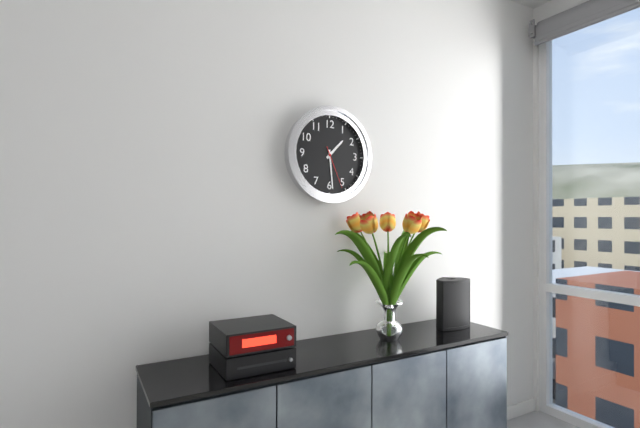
**1:29**
